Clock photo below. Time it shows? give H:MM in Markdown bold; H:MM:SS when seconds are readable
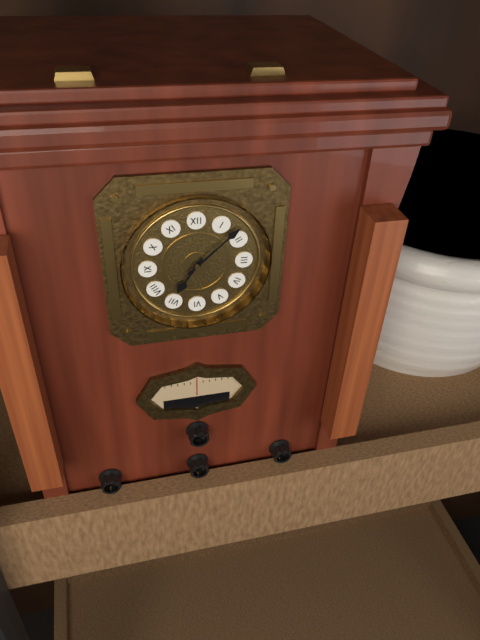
**7:08**
